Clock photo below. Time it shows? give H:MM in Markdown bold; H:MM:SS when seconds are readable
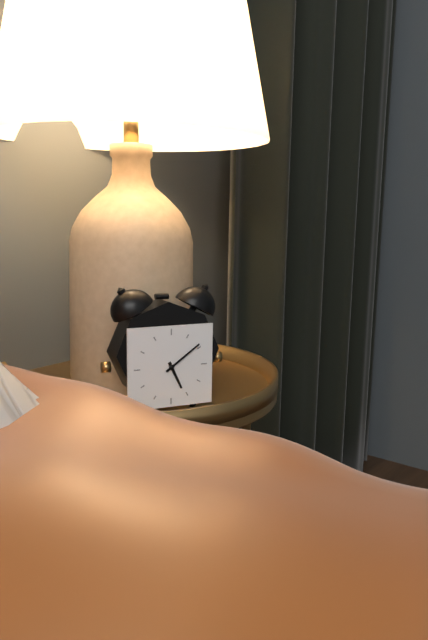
**5:09**
